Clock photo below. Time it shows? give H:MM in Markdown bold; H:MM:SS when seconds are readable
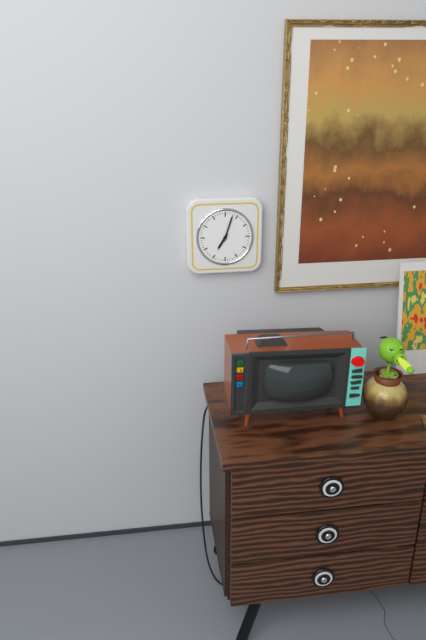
**7:03**
